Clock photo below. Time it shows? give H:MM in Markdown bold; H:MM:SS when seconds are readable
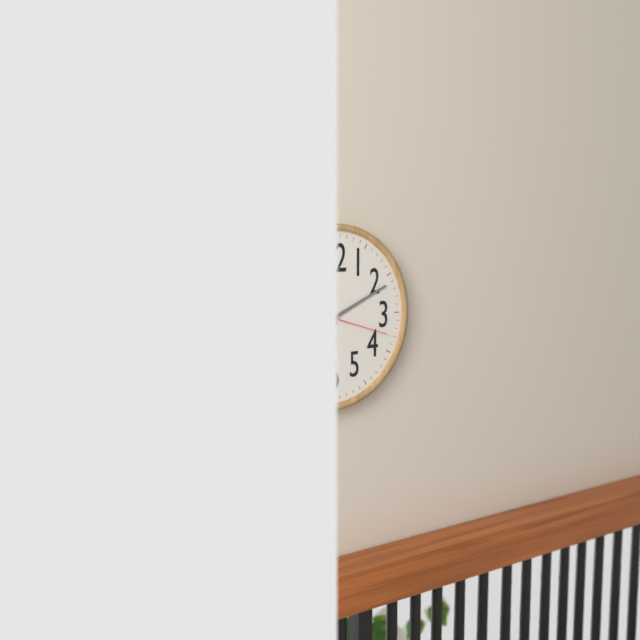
**11:11:18**
